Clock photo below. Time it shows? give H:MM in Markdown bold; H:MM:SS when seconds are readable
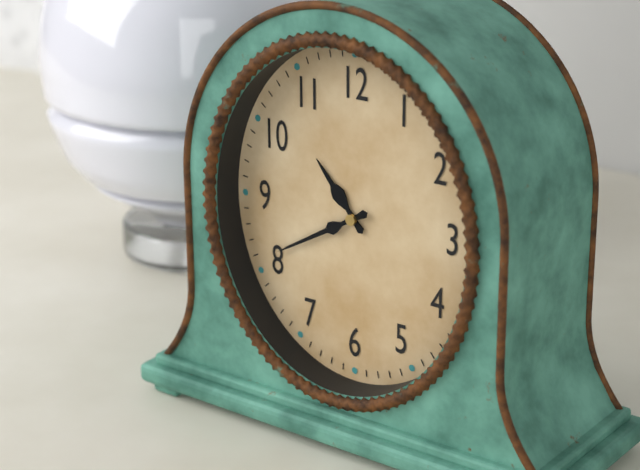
**10:40**
